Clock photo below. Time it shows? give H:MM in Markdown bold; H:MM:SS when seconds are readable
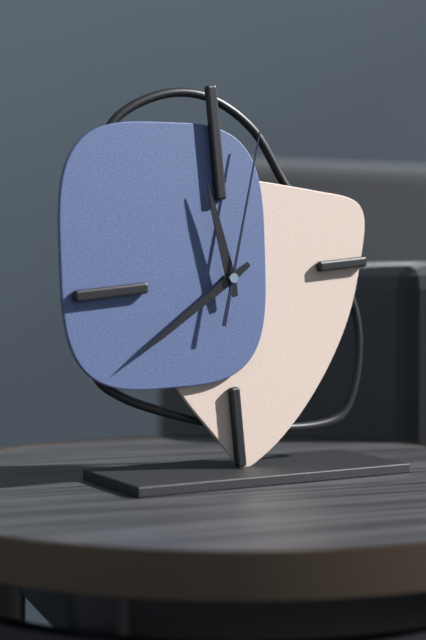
**11:40:03**
